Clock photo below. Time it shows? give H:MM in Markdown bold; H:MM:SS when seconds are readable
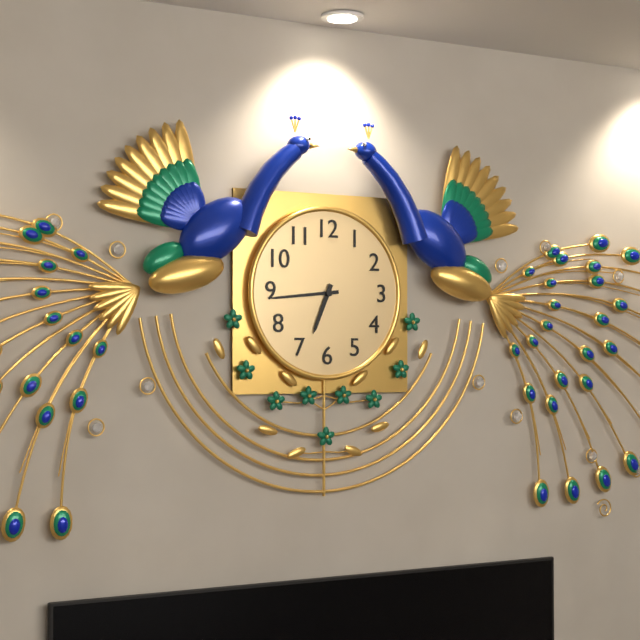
**6:44**
